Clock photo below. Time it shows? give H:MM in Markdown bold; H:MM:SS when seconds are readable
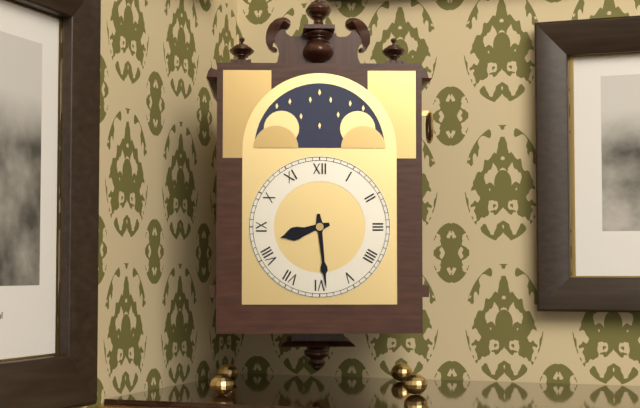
**8:29**
